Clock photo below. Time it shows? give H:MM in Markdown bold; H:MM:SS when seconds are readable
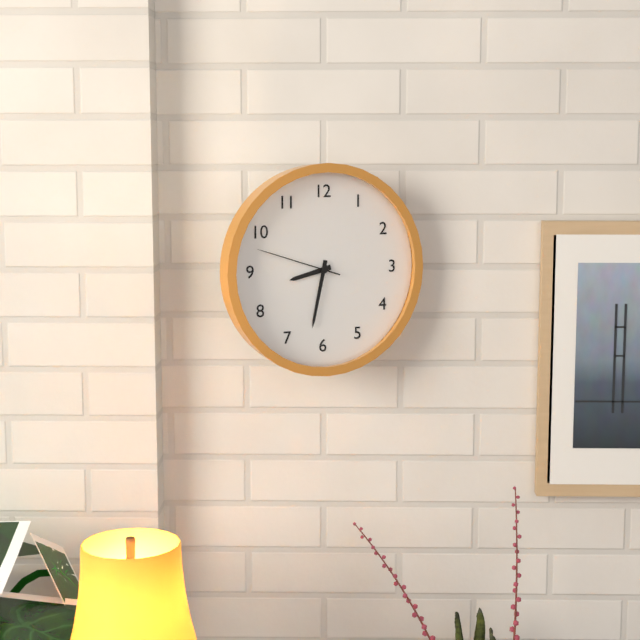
**8:32:48**
